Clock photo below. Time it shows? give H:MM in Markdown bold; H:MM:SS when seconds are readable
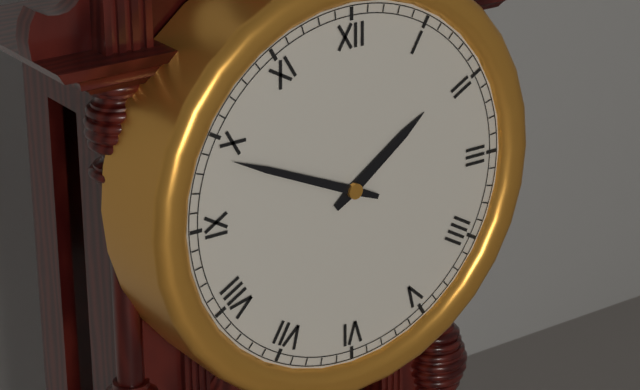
**1:49**
